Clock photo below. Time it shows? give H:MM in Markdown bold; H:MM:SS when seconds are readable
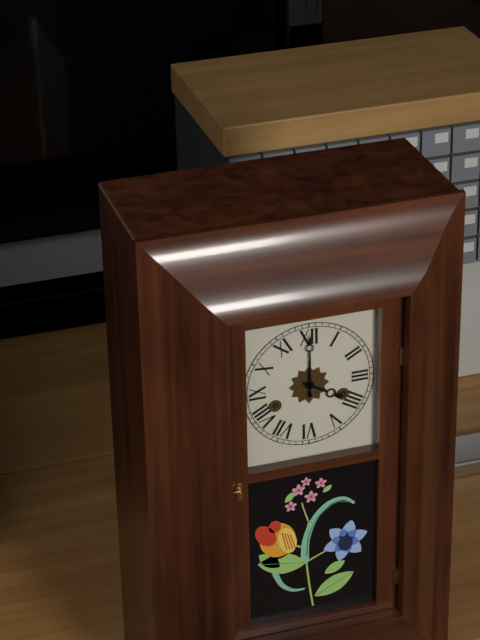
**4:00**
